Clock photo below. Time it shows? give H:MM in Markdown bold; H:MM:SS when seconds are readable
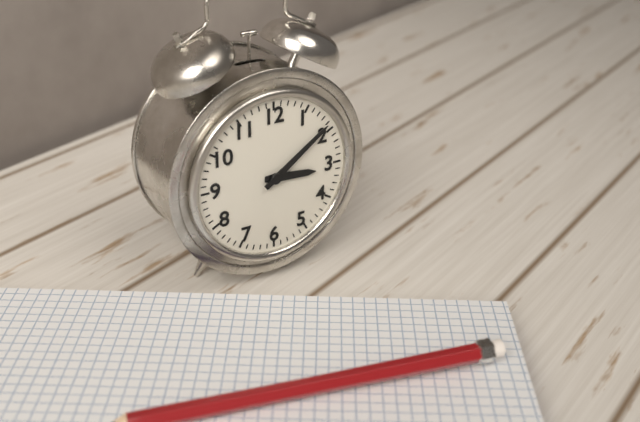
**3:09**
